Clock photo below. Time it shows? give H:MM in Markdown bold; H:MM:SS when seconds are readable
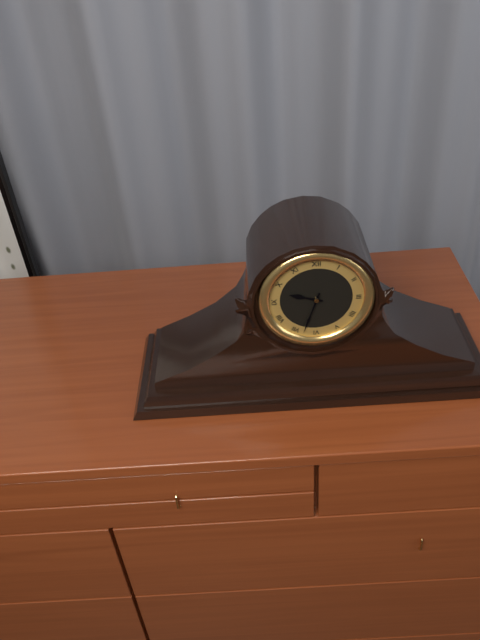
**9:33**
